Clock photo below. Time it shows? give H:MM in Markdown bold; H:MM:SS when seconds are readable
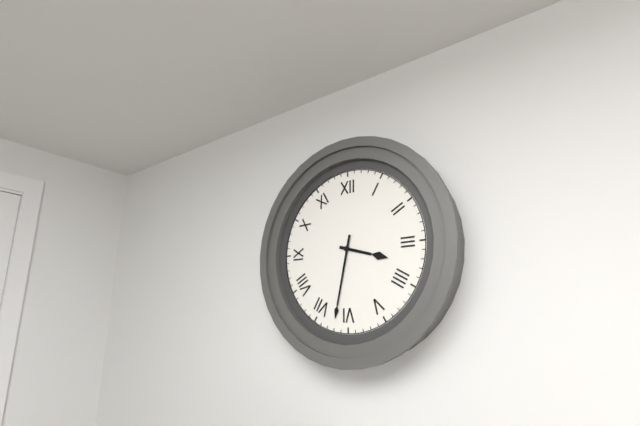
**3:32**
